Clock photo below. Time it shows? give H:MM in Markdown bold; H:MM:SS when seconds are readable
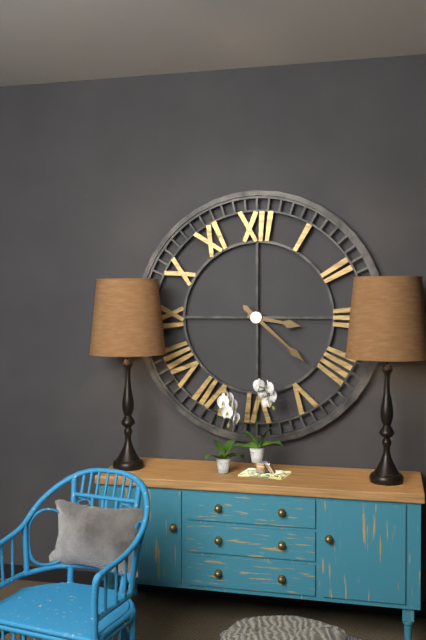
**3:22**
